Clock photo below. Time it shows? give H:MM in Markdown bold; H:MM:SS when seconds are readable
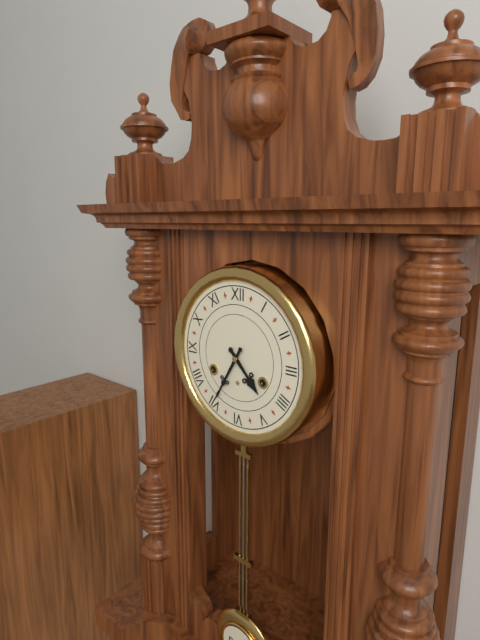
**4:35**
